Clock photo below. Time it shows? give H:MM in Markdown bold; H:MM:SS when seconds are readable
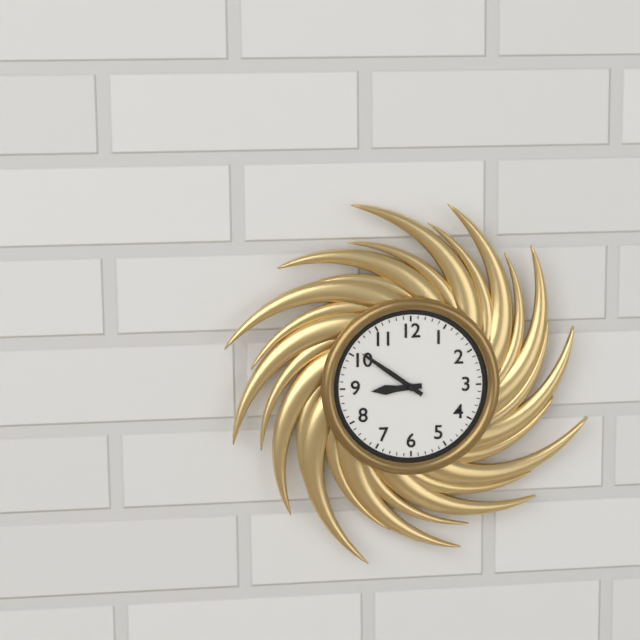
**8:51**
